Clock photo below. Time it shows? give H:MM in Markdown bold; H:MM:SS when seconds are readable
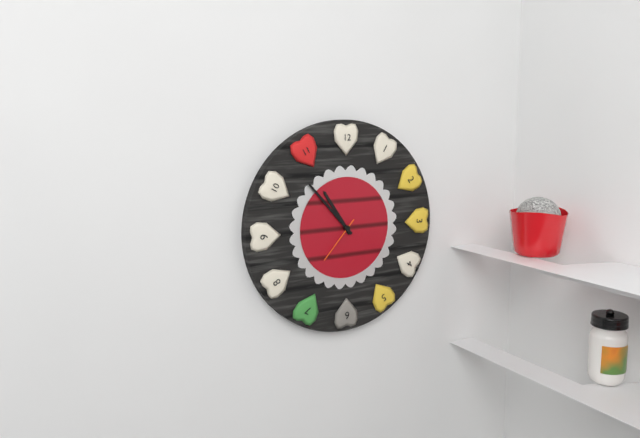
**10:53**
